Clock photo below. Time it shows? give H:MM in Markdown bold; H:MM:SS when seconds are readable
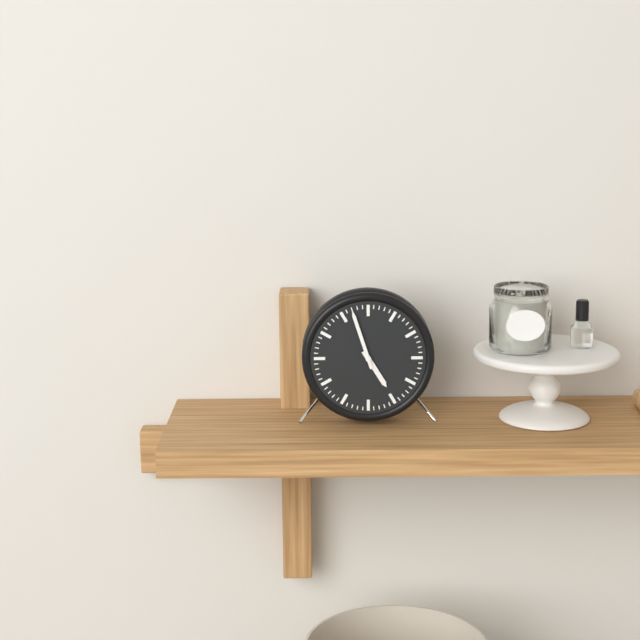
**4:57**
